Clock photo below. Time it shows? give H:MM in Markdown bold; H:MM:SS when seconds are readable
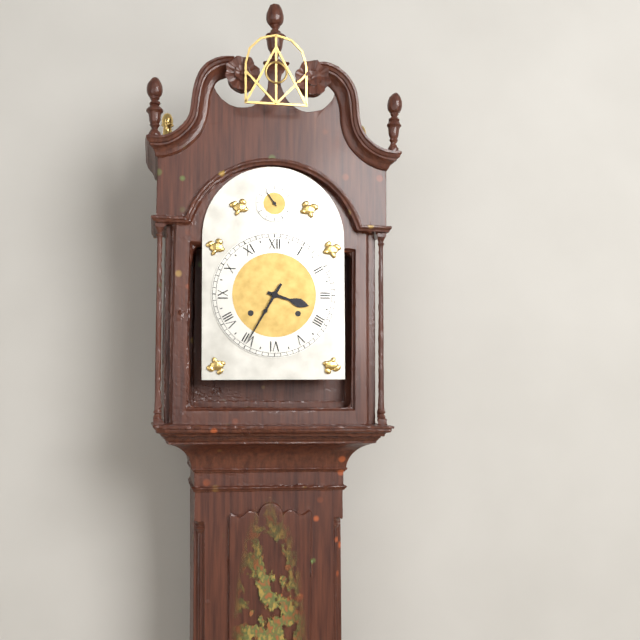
**3:35**
